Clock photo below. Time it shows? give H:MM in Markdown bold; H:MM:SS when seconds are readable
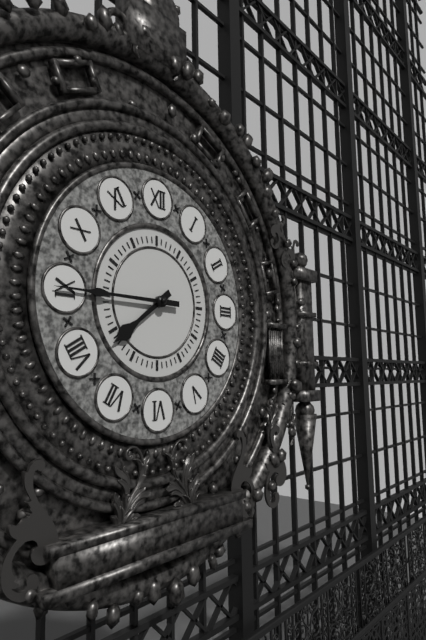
**7:45**
